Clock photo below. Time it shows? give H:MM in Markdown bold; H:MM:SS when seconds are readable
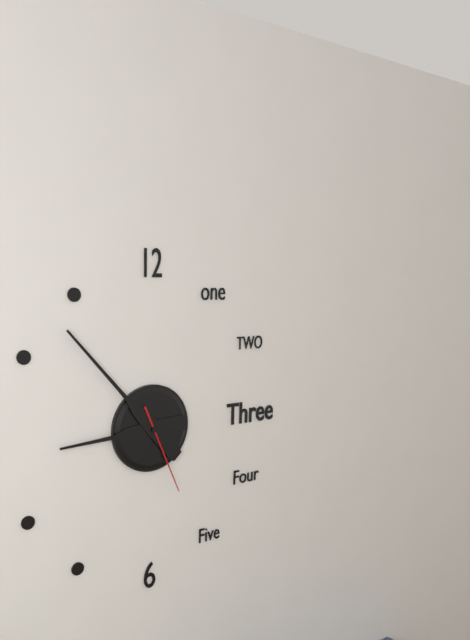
**8:53:26**
